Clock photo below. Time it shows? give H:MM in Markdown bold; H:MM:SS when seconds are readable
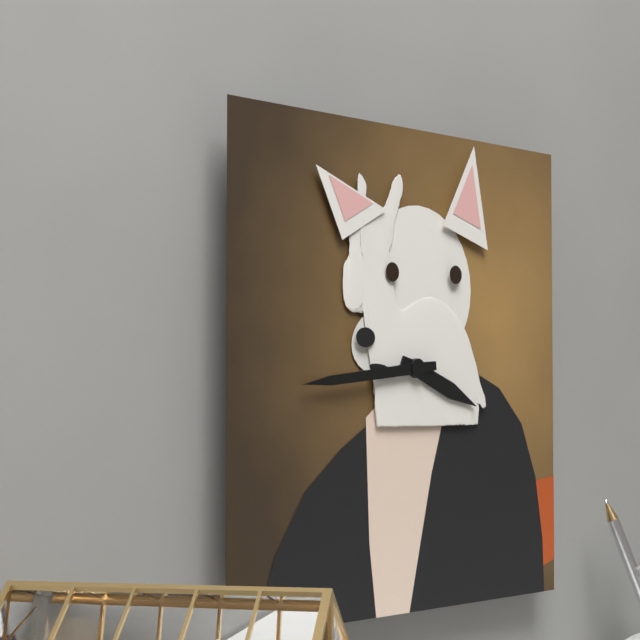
**3:44**
